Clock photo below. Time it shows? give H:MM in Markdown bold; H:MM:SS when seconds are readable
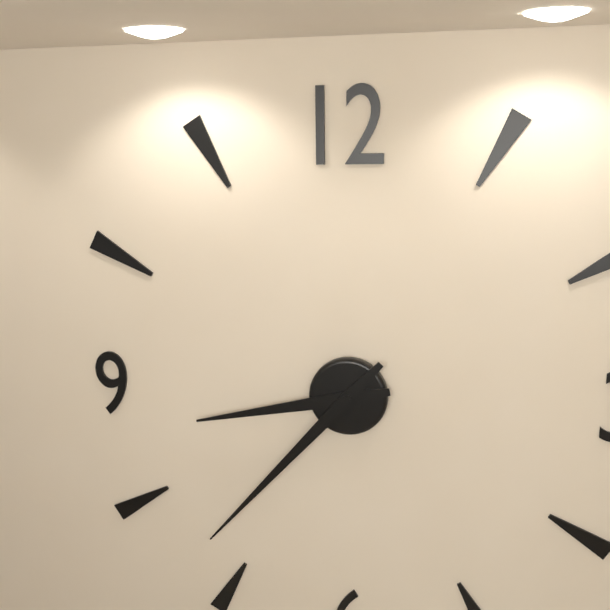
**8:37**
